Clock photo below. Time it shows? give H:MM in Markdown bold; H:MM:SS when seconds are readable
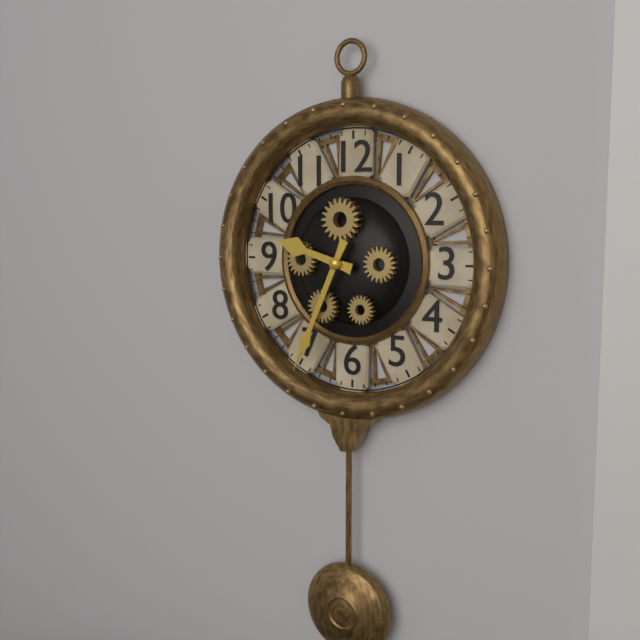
**9:34**
